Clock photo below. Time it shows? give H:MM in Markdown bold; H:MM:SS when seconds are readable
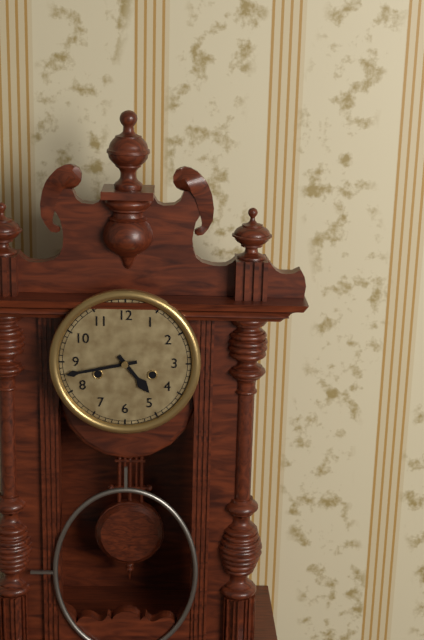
**4:43**
